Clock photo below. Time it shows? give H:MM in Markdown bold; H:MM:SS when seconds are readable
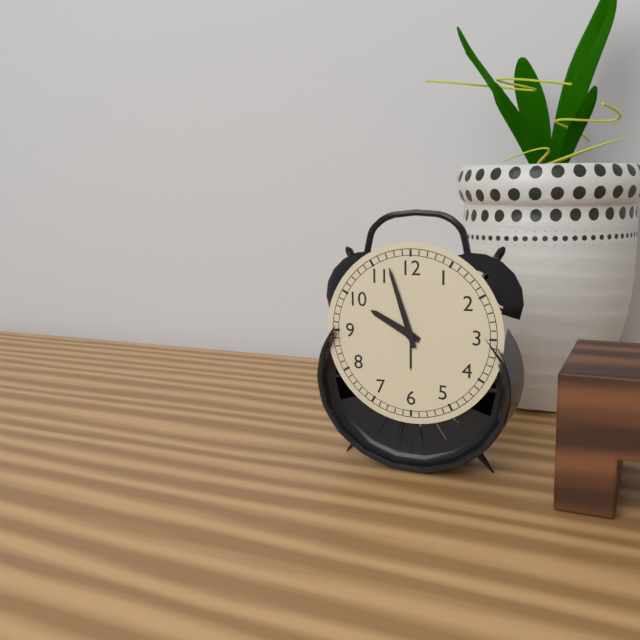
**9:57**
